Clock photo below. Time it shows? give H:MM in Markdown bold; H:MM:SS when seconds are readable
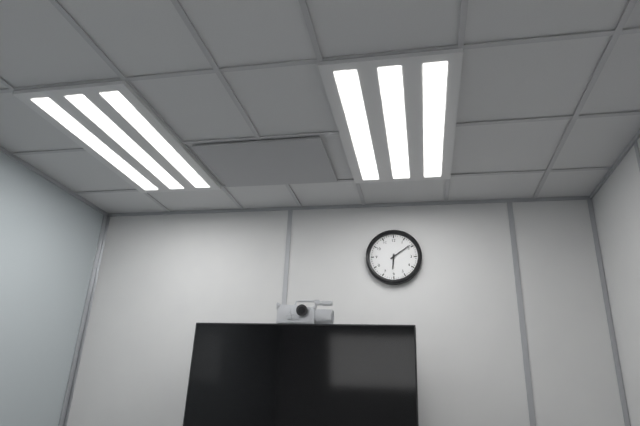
**6:09**
